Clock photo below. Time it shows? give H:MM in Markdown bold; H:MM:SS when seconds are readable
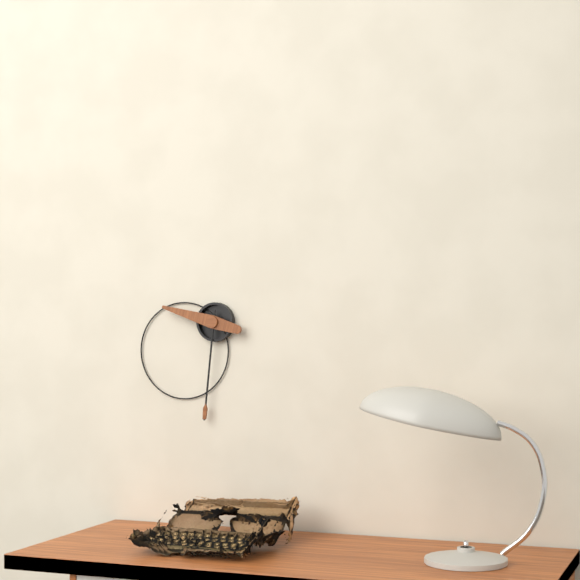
**9:31**
